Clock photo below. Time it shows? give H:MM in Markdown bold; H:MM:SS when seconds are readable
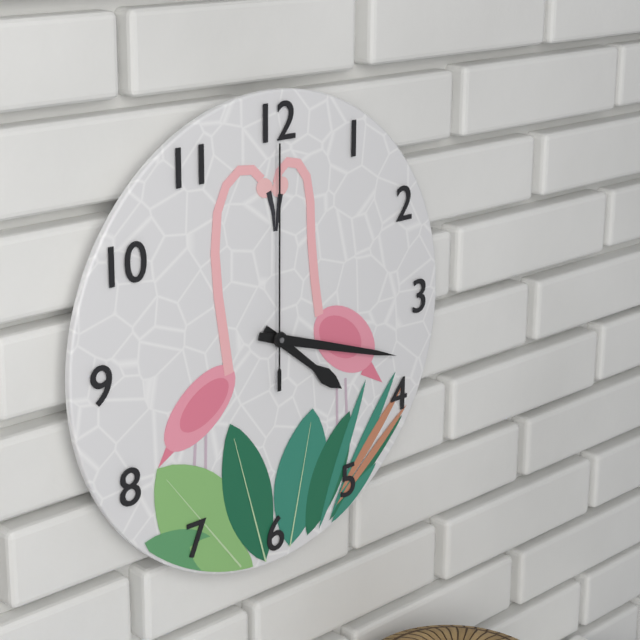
**4:18:00**
